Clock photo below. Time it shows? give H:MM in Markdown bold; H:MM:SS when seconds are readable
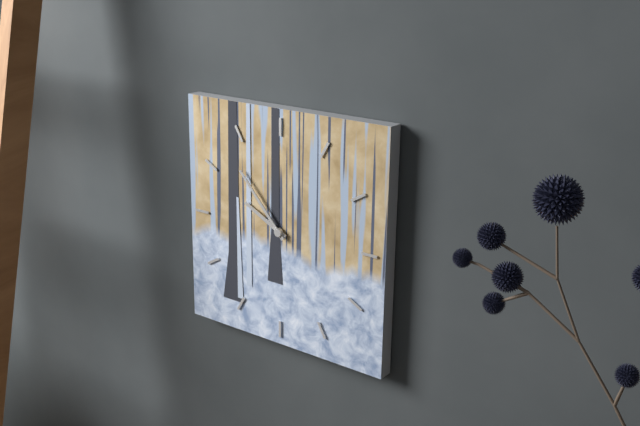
**9:53**
